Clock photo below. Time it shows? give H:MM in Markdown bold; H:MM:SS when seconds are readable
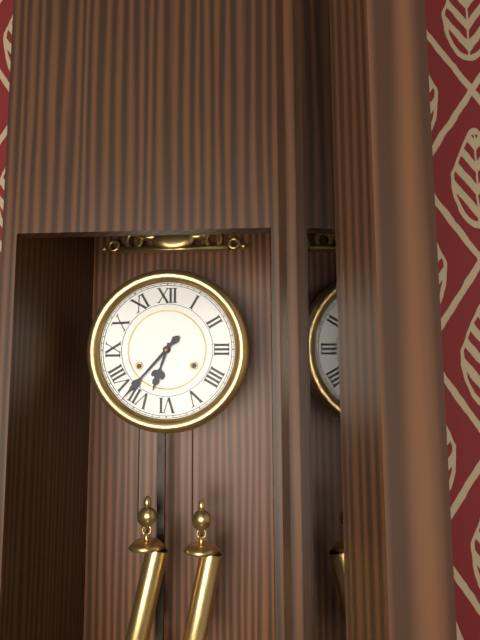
**6:37**
